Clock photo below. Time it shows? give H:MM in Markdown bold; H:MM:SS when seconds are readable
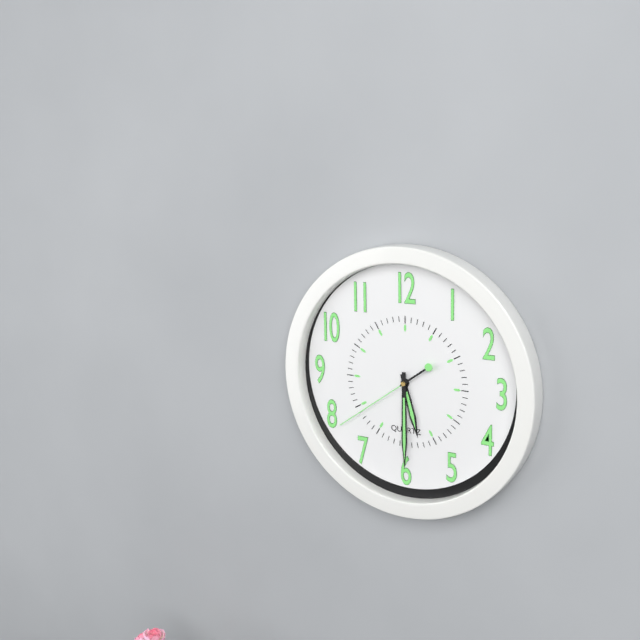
**5:30:39**
